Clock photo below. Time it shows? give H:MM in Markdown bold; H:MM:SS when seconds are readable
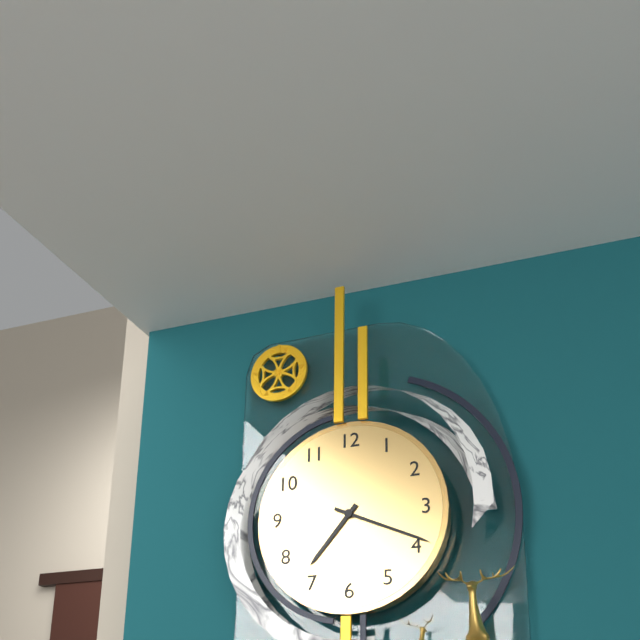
**7:19**
